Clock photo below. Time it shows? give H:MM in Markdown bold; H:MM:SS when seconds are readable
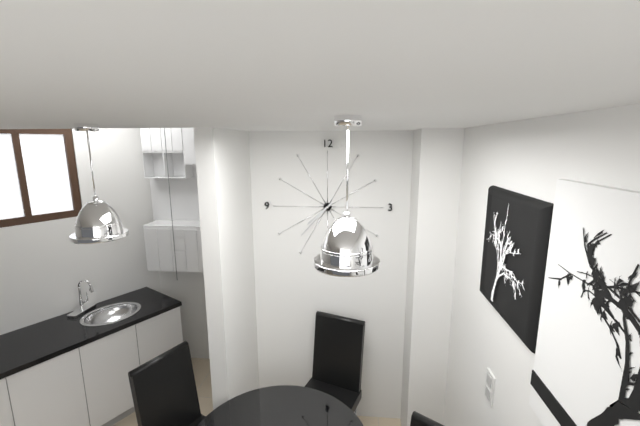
**7:37**
